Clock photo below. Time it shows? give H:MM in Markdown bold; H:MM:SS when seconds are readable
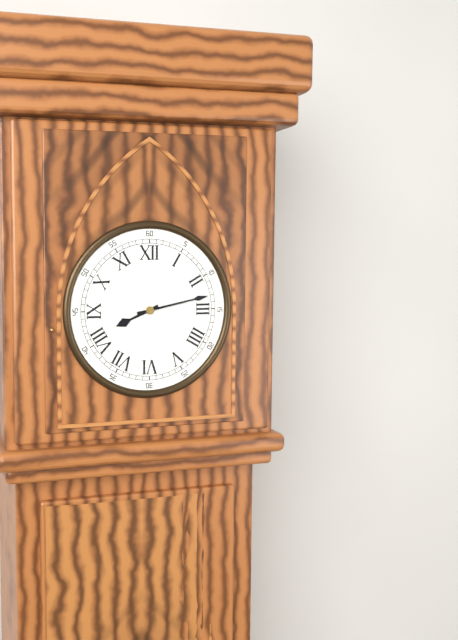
**8:13**
